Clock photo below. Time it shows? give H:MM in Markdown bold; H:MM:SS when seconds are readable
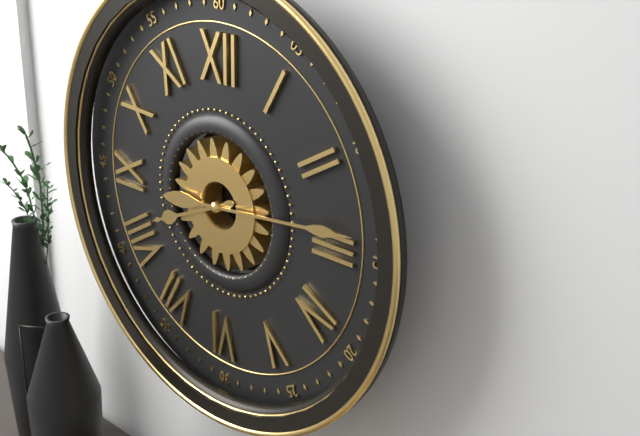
**8:14**
